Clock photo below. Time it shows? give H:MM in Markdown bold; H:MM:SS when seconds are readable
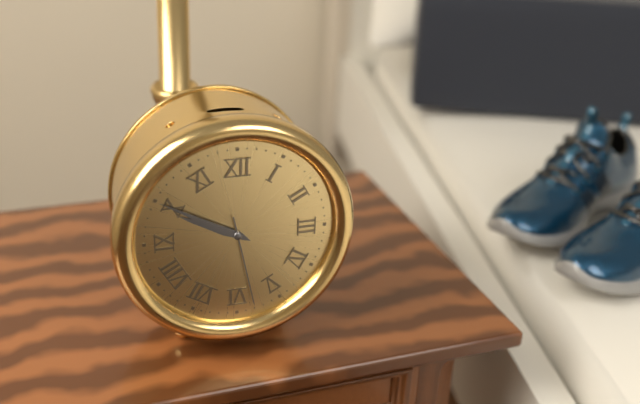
**9:50:28**
